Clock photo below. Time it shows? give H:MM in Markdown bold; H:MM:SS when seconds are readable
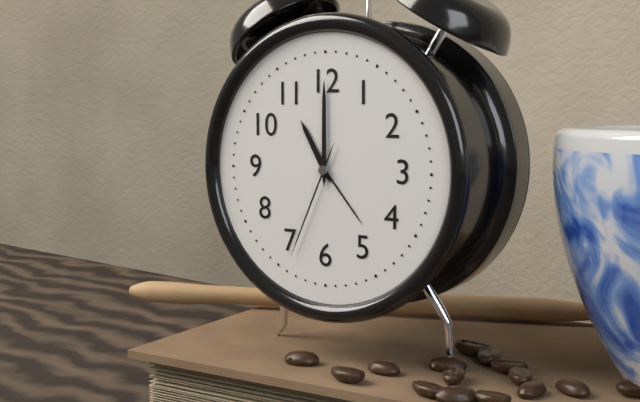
**11:00:34**
